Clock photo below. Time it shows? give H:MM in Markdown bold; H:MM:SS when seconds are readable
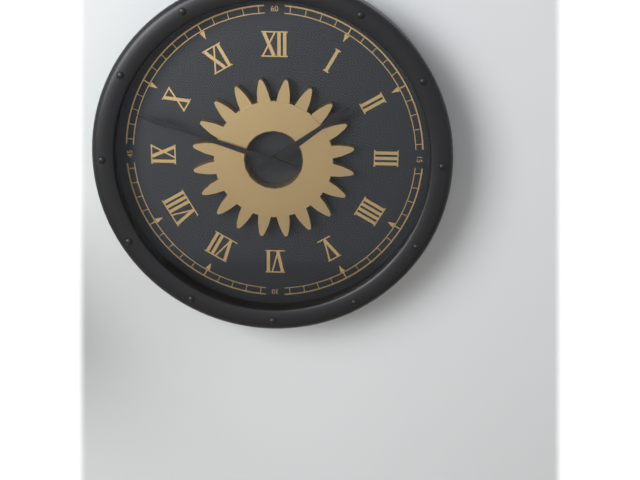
**1:48**
